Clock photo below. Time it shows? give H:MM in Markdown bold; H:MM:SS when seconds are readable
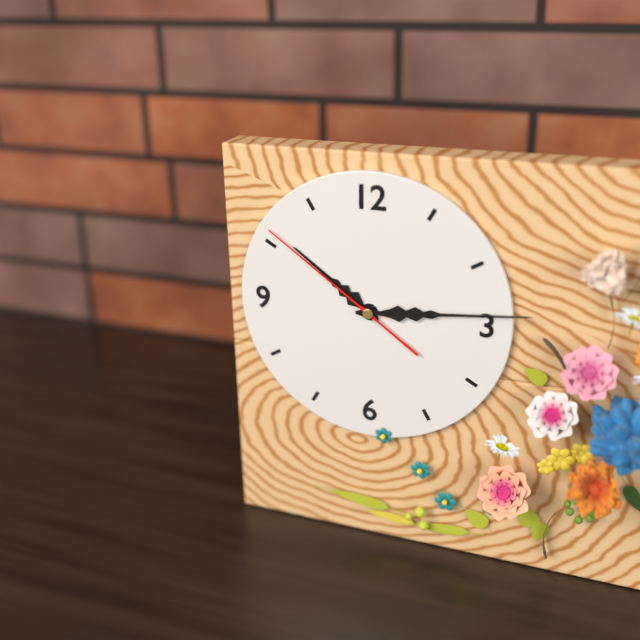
**10:14:51**
